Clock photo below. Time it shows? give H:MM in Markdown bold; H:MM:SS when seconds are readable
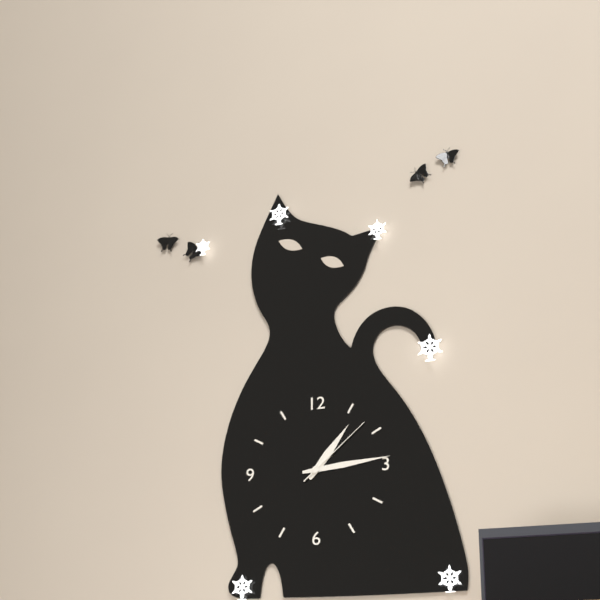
**1:14:08**
